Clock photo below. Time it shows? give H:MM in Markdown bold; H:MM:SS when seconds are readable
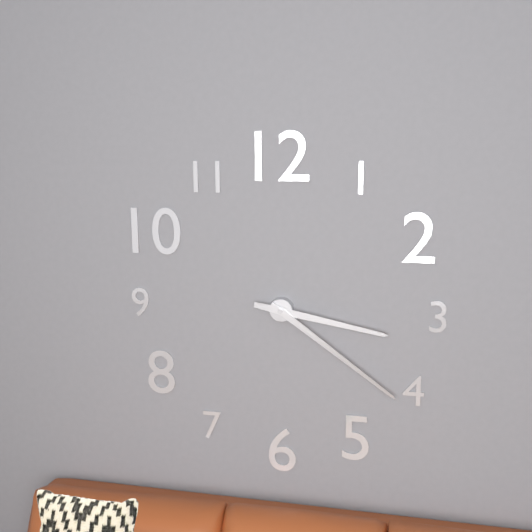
**3:21**
